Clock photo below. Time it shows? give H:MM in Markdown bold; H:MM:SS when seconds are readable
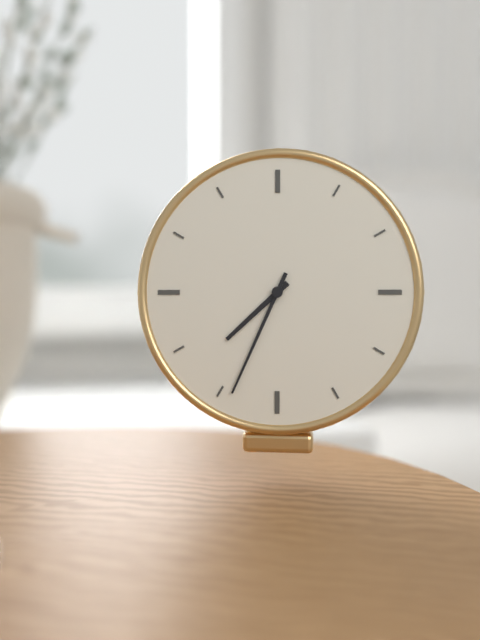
**7:34**
